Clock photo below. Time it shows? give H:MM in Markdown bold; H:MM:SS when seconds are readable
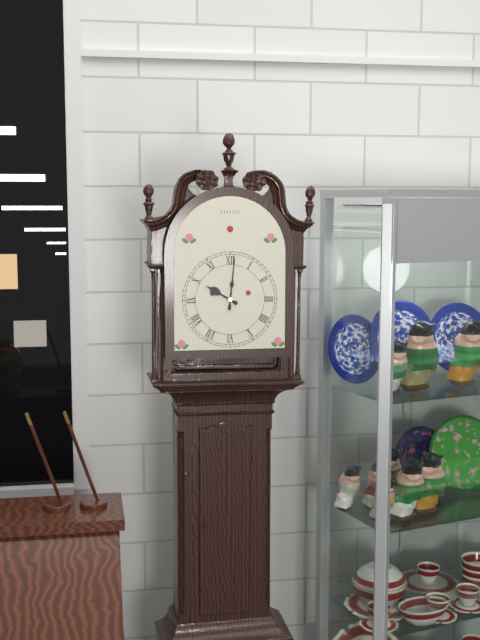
**10:01**
